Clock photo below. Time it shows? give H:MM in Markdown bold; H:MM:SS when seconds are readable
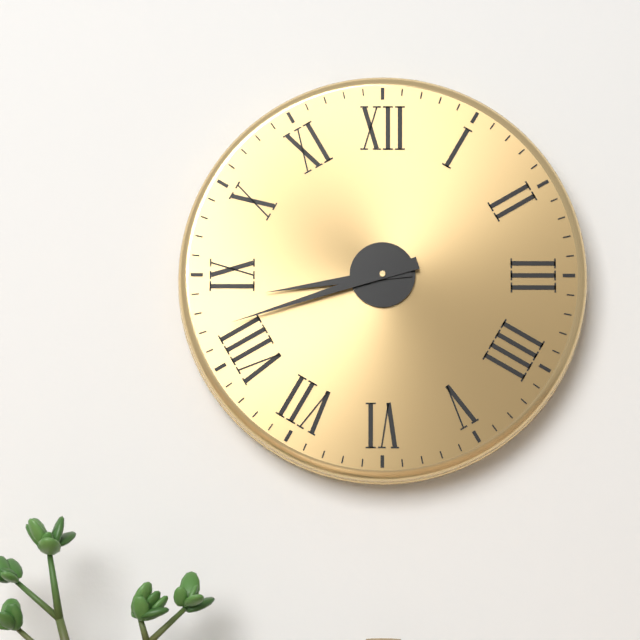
**8:42**
